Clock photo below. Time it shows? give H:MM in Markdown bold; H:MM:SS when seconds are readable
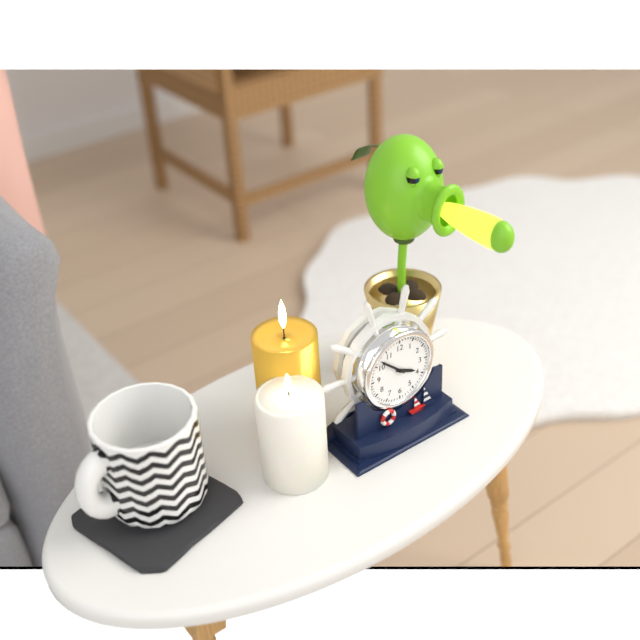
**3:52**
